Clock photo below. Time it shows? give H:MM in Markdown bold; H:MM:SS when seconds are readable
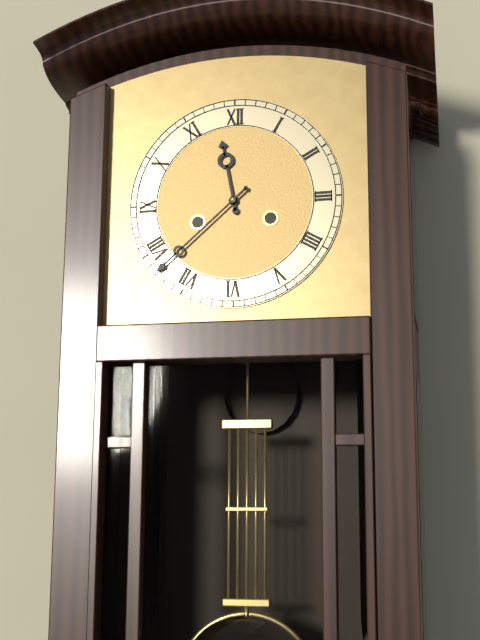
**11:38**
